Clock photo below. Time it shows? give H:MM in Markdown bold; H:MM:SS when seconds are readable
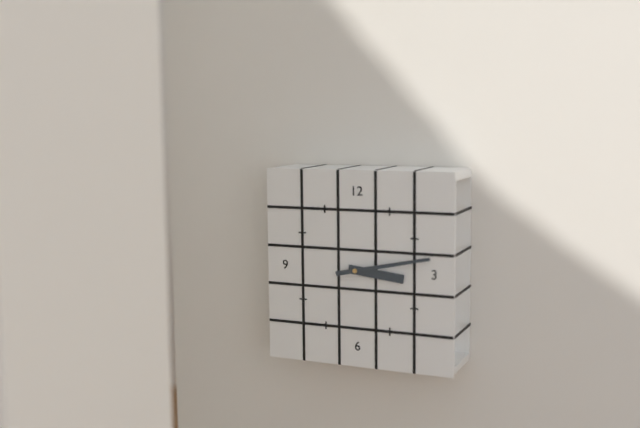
**3:13**
